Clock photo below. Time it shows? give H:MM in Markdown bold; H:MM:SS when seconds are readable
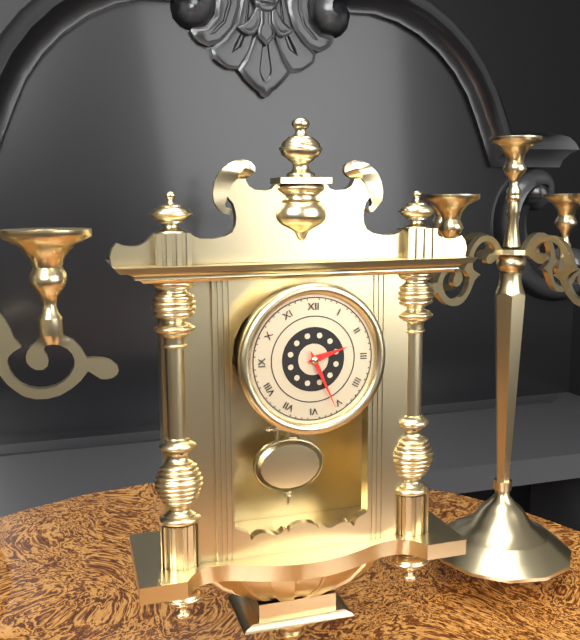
**2:26**
